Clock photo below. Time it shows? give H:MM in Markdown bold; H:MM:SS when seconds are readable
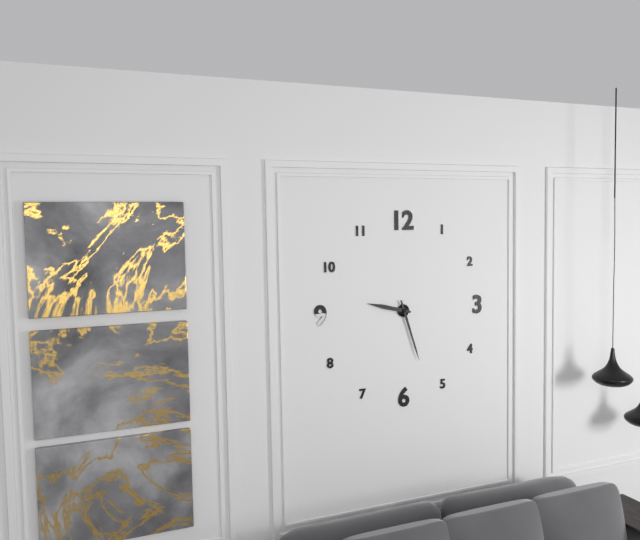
**9:27**
